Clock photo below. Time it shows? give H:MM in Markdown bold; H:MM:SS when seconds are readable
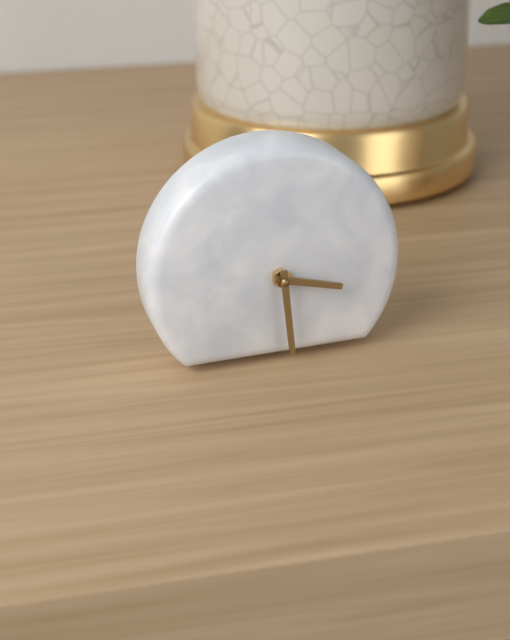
**3:29**
